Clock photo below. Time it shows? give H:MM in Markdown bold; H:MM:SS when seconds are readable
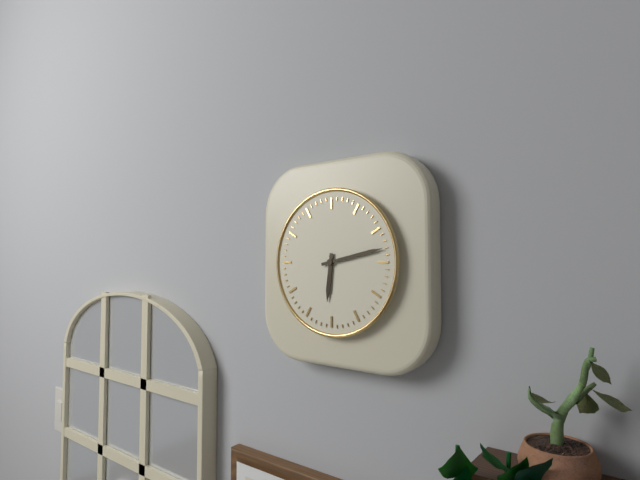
**6:13**
